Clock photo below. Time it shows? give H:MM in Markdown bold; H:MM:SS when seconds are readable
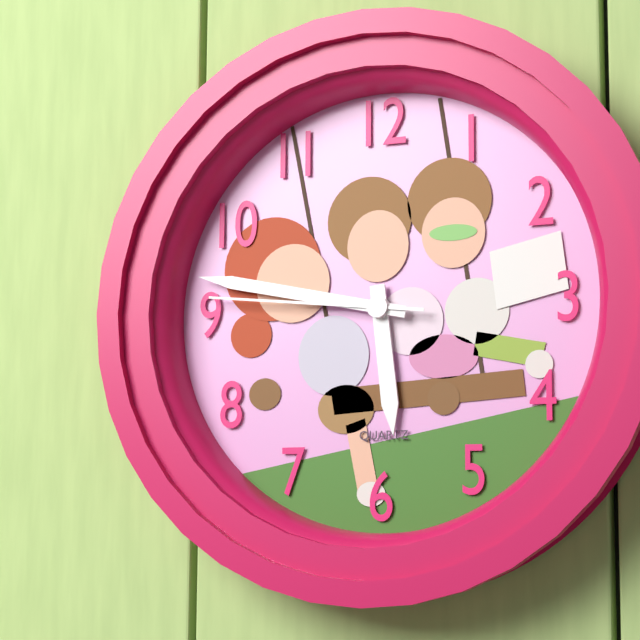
**5:47:46**
